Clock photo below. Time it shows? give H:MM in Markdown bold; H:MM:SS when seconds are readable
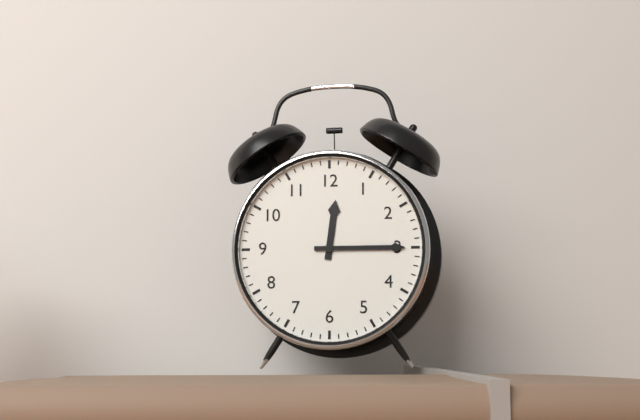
**12:15**
